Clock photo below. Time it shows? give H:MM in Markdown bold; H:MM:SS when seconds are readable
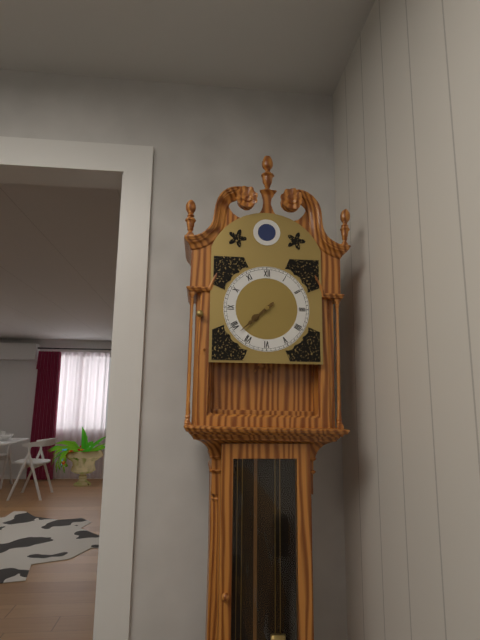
**7:38**
